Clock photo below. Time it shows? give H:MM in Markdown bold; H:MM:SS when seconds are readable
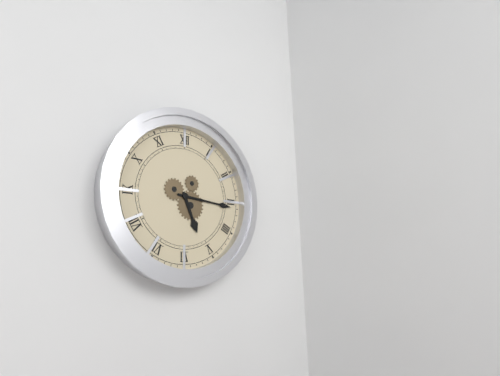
**5:16**
